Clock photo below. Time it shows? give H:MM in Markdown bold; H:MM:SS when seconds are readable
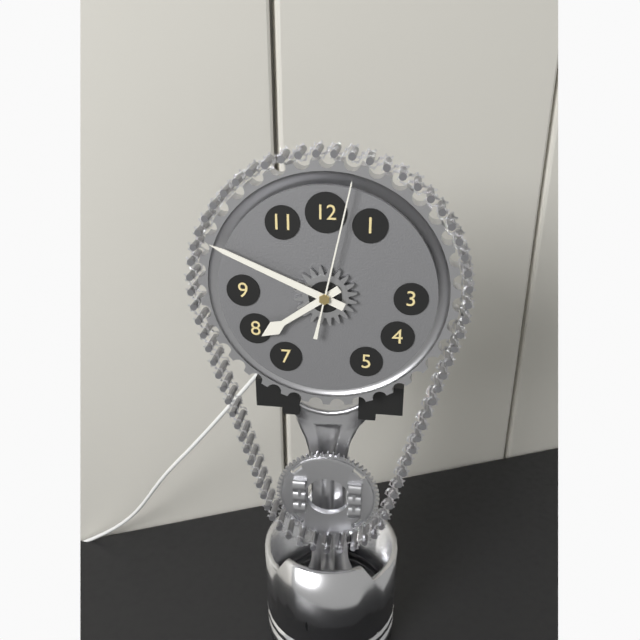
**7:49:02**
